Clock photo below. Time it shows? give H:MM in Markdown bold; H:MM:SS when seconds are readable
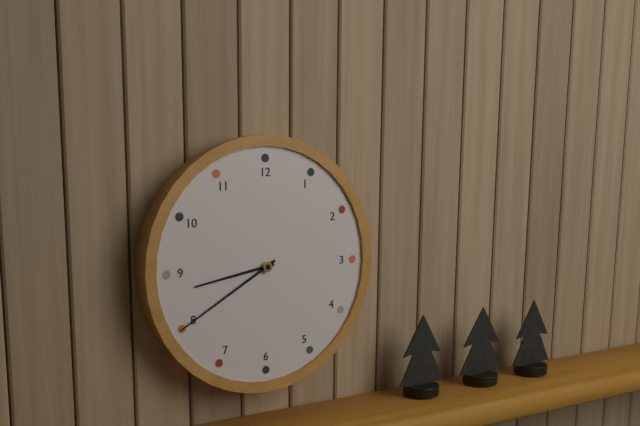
**8:40**
